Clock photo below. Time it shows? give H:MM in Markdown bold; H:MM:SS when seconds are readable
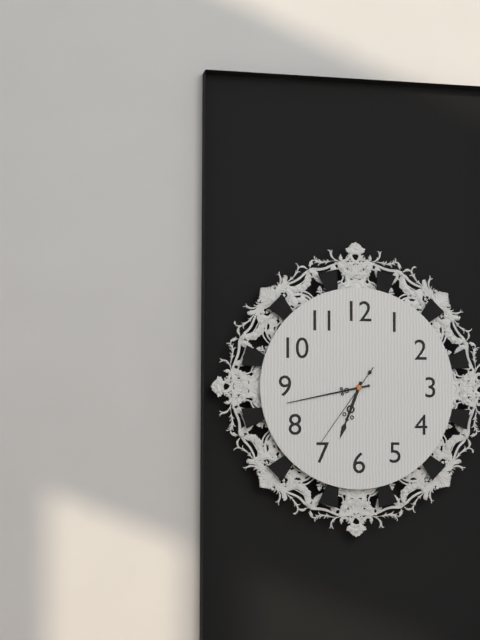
**6:43:36**
